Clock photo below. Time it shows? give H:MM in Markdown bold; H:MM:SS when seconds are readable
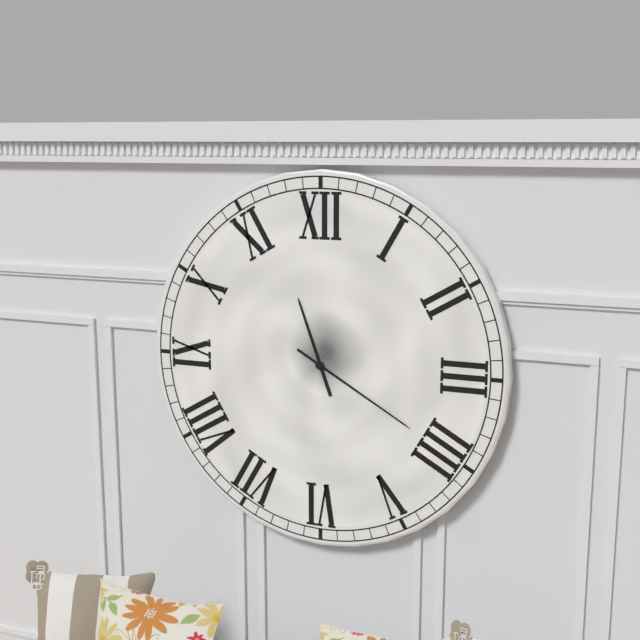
**11:20**
